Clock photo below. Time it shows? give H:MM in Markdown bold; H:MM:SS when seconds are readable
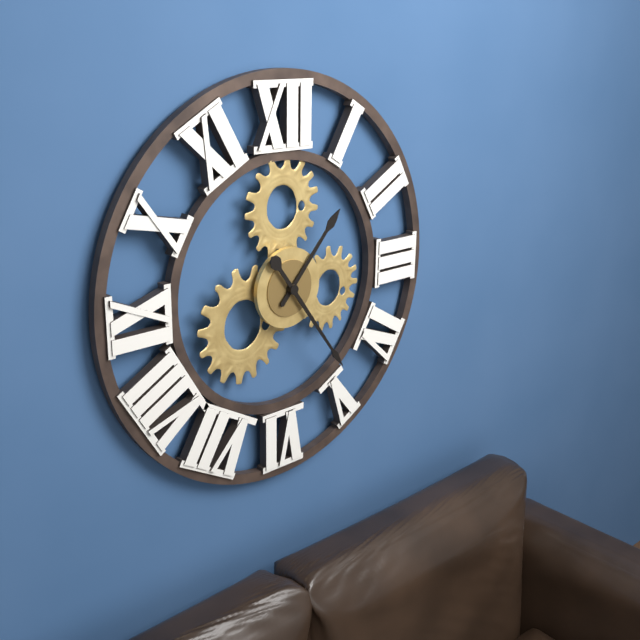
**1:24**
